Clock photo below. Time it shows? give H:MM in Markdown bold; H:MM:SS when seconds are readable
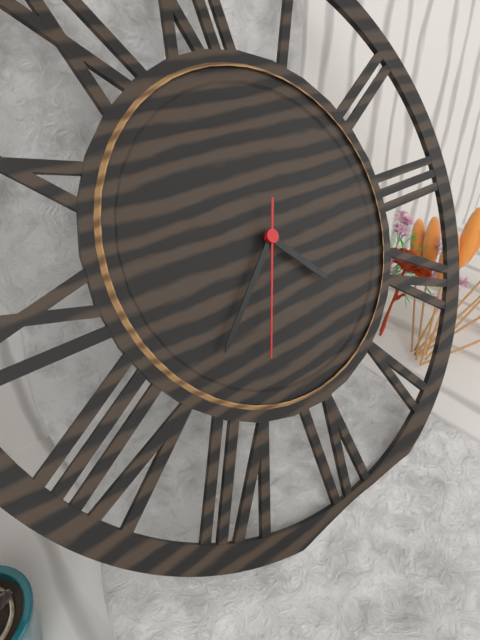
**4:38:34**
